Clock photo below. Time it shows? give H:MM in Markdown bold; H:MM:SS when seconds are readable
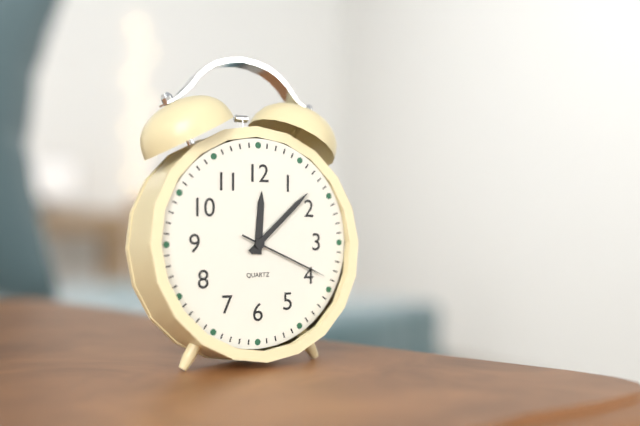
**12:08:19**
